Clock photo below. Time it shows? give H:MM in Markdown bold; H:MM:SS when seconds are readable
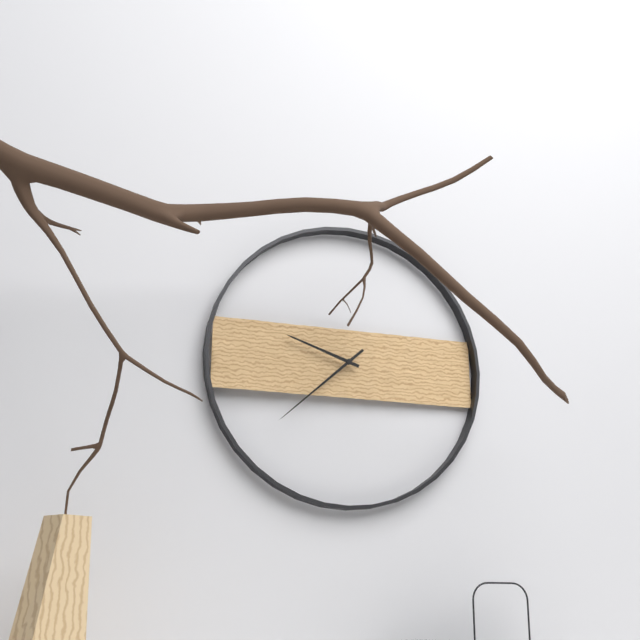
**9:38**
